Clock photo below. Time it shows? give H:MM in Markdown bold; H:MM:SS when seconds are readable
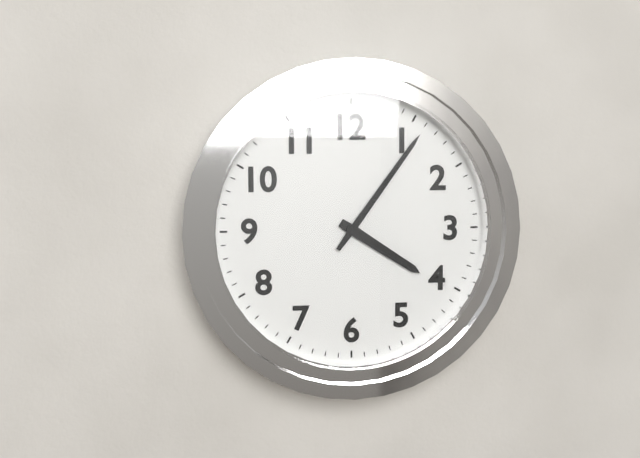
**4:06**
